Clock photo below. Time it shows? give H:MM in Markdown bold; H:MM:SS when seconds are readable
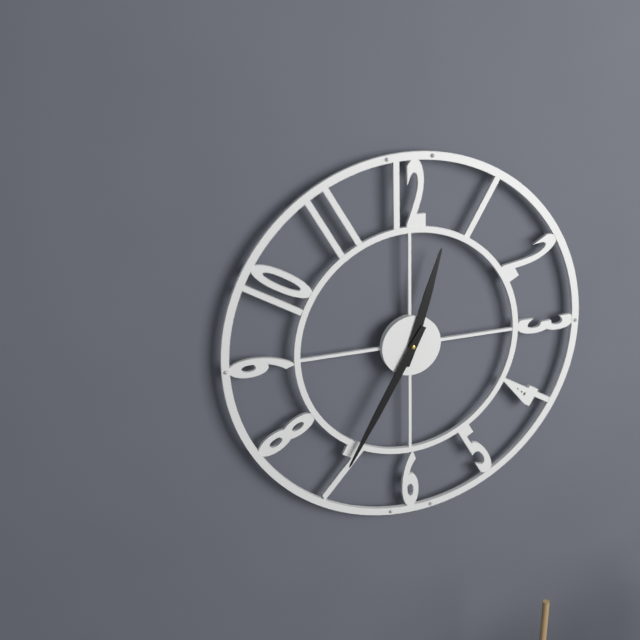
**12:35**
